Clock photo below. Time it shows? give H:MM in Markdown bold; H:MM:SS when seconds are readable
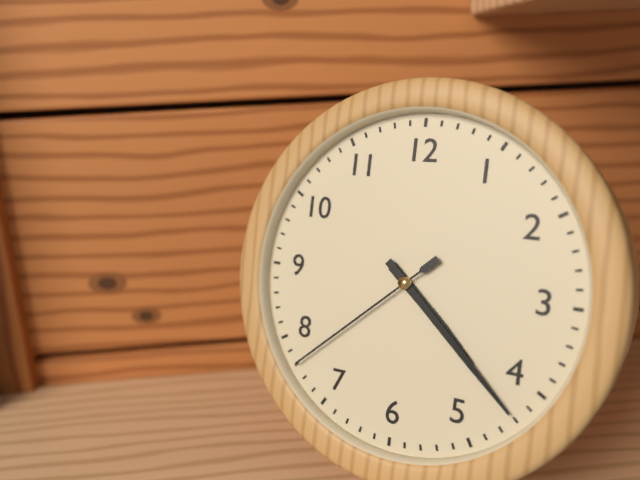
**4:22:38**
